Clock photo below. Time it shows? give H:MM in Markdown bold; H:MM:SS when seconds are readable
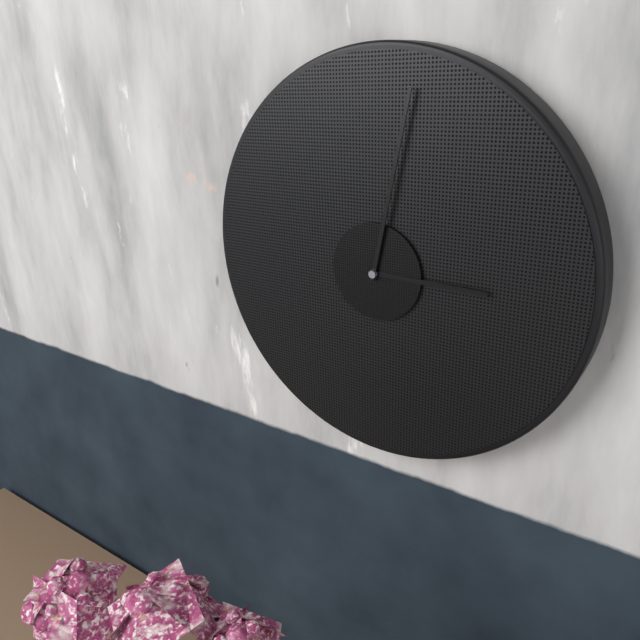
**3:02**
